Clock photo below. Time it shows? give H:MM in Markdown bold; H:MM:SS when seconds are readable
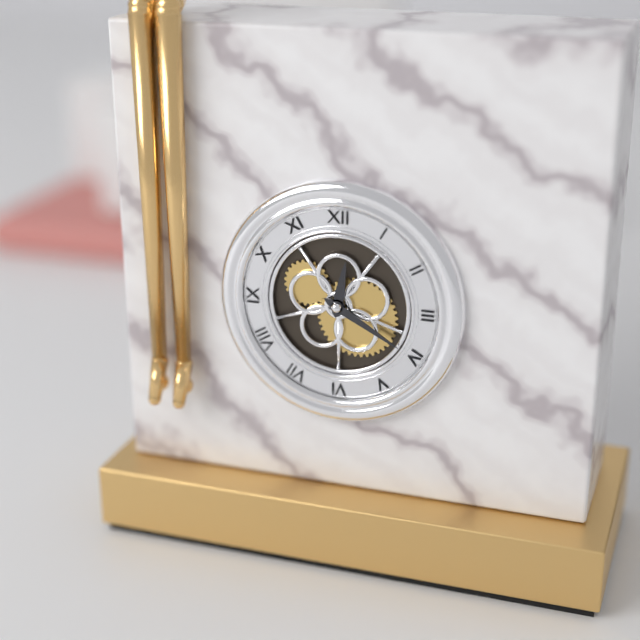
**12:20**
